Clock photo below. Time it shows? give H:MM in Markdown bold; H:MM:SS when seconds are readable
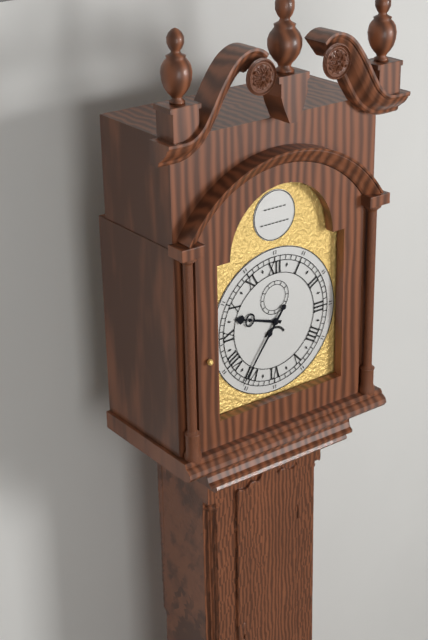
**9:36**
